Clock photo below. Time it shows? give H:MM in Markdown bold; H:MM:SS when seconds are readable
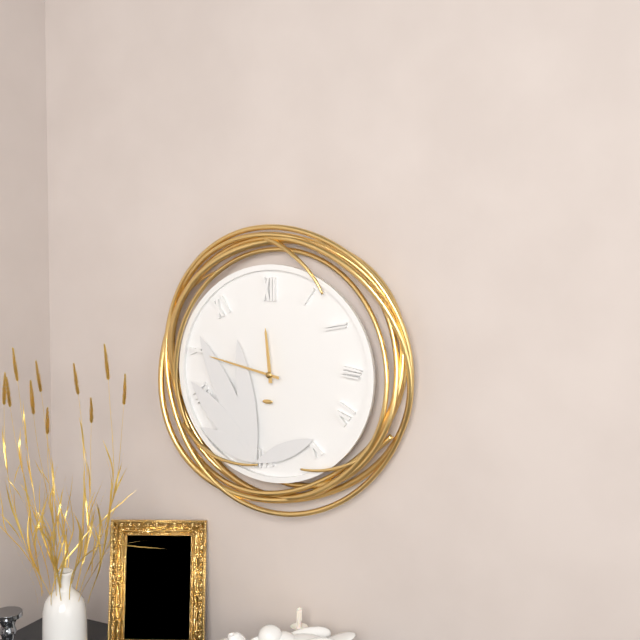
**11:47**
